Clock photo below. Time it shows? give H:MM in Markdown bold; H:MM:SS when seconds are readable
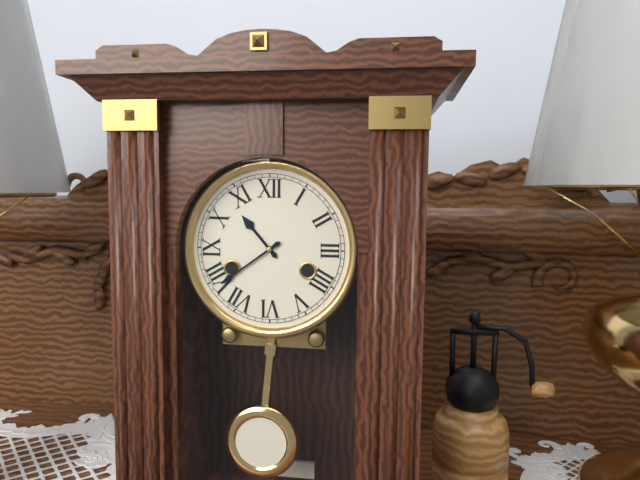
**10:39**
